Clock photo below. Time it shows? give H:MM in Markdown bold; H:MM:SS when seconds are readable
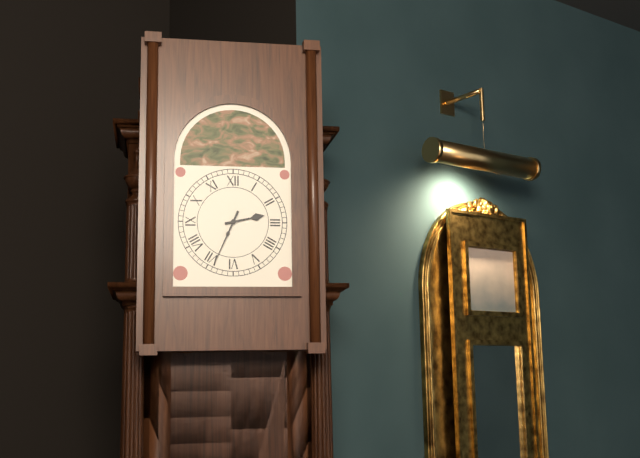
**2:34**
